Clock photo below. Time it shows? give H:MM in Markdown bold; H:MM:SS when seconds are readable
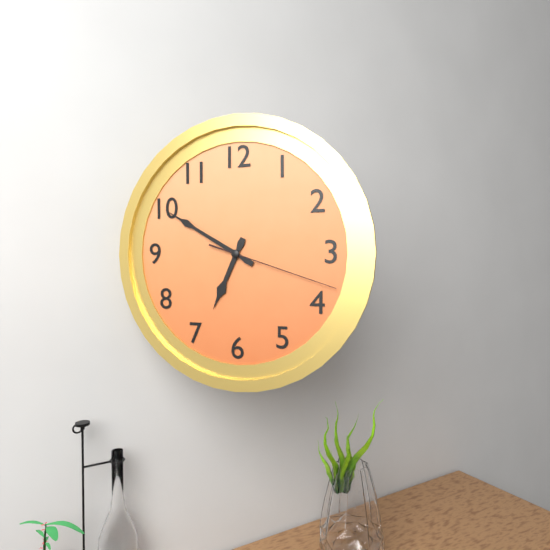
**6:50:18**
